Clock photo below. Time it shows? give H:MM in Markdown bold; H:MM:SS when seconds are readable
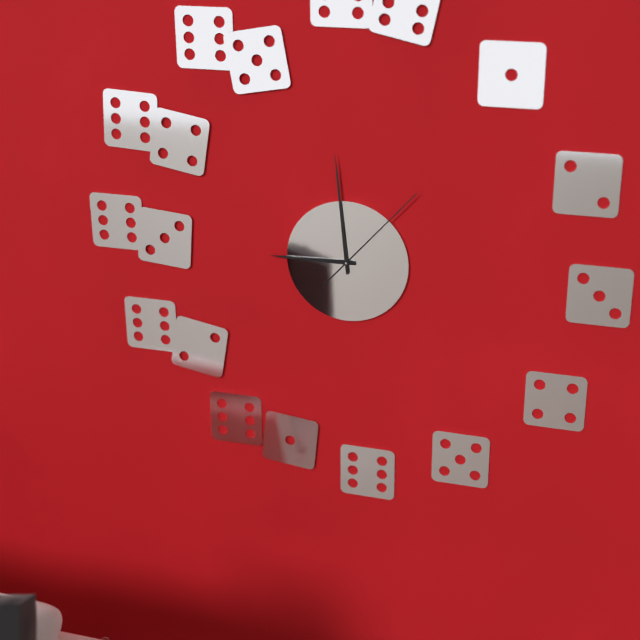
**8:59:07**
